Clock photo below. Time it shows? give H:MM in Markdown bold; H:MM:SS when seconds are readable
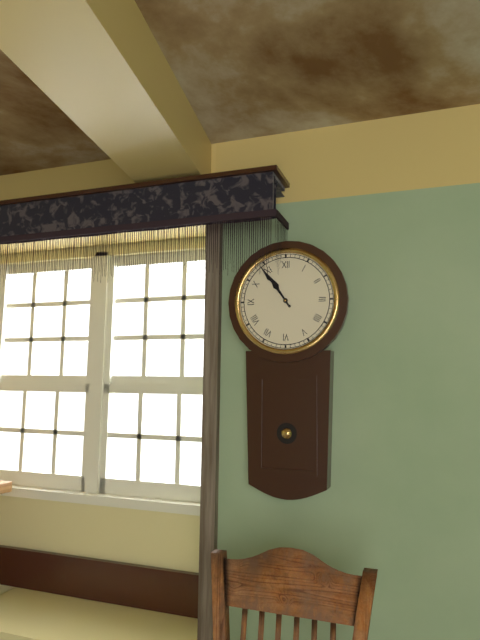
**10:54**
